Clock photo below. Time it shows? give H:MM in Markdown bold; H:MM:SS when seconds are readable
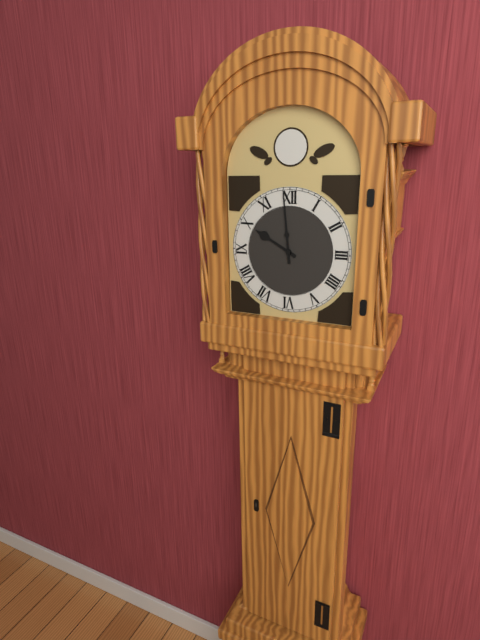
**9:59**
